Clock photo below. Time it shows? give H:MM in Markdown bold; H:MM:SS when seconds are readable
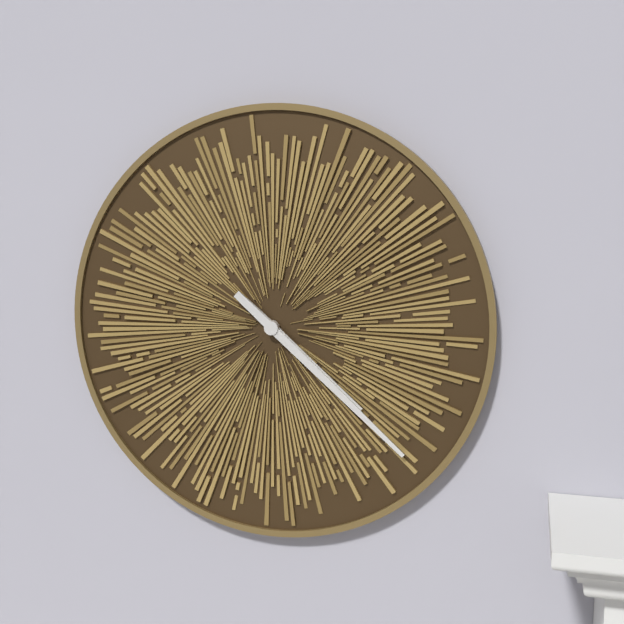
**4:22**
